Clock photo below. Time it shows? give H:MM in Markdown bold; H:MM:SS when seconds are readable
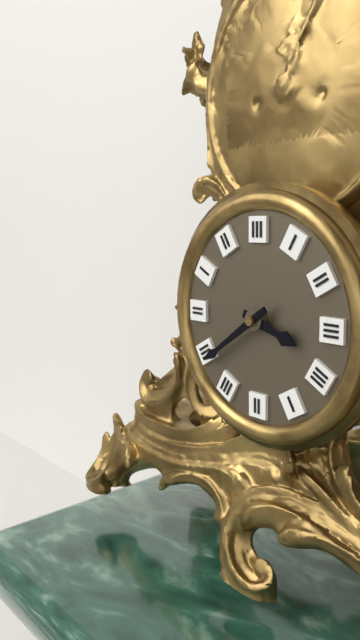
**3:39**
